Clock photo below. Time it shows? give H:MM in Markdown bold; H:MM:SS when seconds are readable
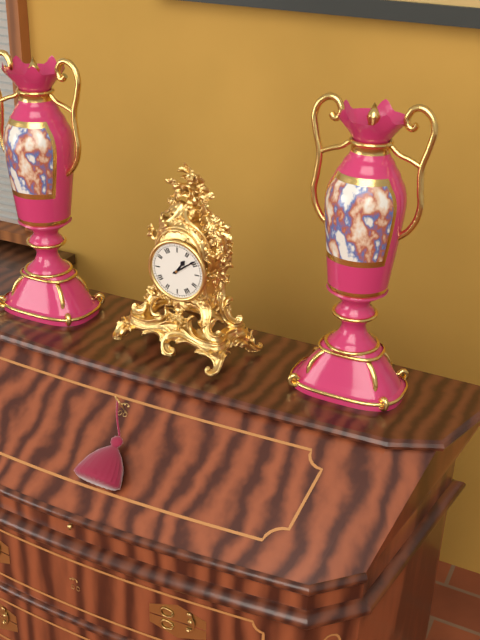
**1:09**
